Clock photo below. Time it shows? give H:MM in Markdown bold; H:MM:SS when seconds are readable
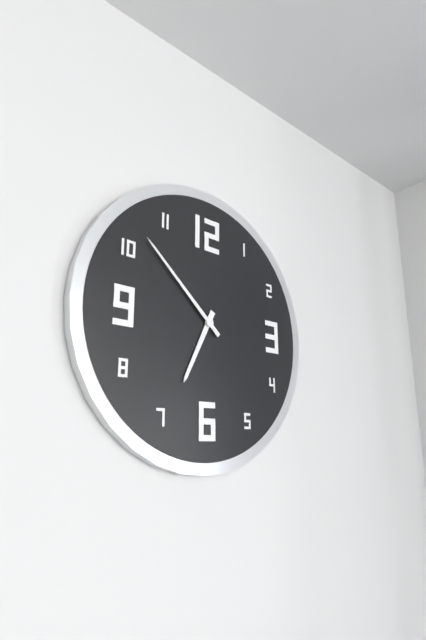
**6:52**
